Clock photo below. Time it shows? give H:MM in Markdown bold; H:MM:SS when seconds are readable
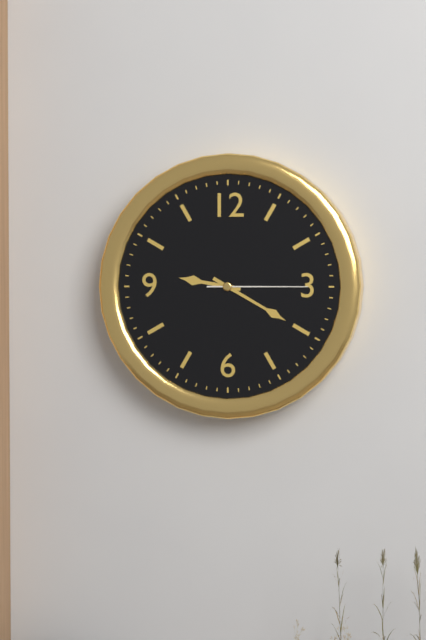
**9:20:15**
